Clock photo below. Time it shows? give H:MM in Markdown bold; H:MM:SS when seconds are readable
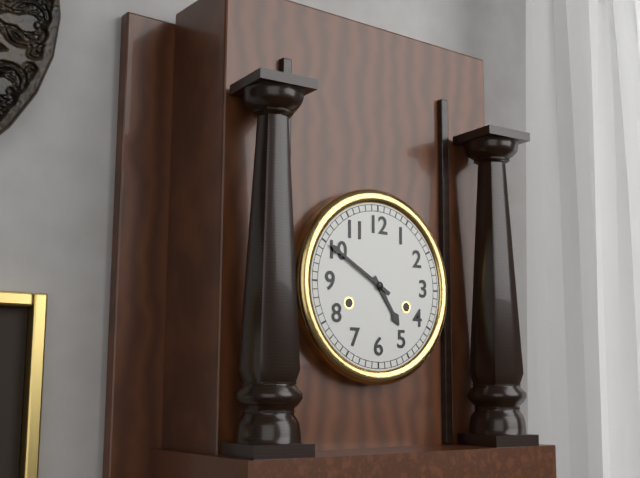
**4:50**
